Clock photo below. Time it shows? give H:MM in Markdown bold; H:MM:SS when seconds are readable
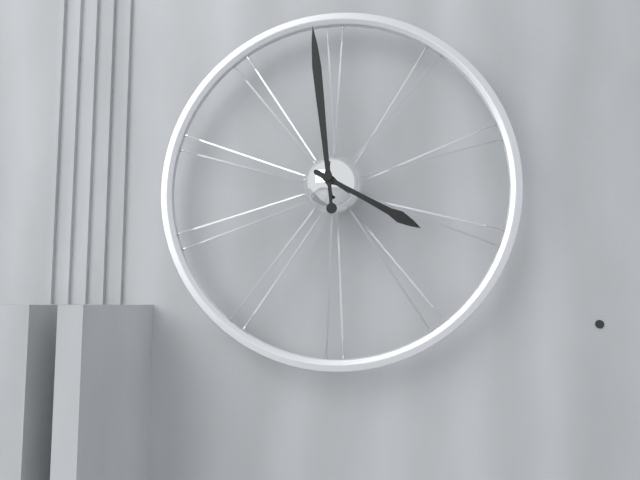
**3:59**
